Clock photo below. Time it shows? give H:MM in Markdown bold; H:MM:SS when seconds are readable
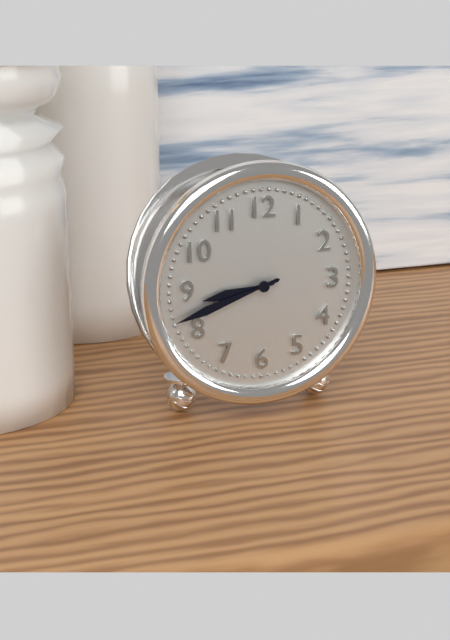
**8:42**
